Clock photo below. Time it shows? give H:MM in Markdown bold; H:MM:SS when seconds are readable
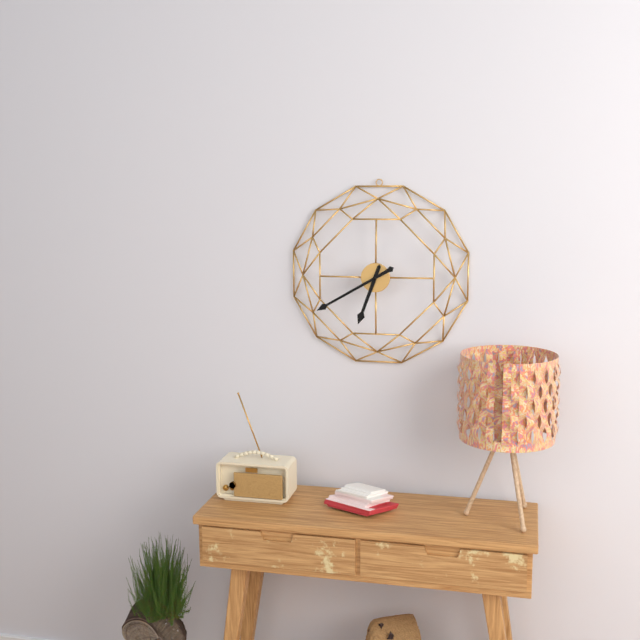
**6:40**
